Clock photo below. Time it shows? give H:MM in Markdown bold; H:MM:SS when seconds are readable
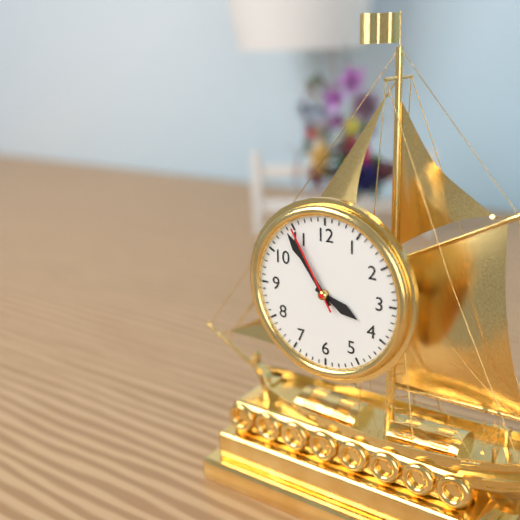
**3:54:55**
